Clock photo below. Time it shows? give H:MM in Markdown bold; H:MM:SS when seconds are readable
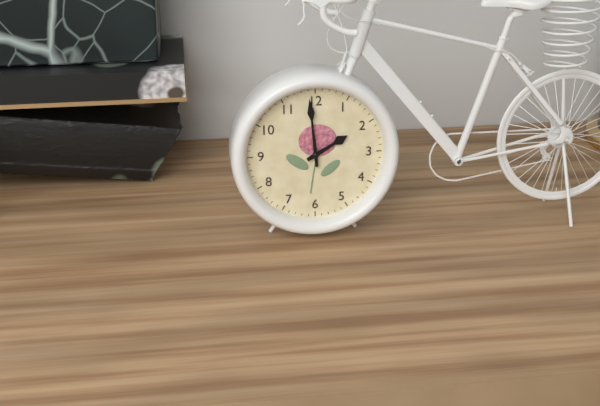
**1:59**
